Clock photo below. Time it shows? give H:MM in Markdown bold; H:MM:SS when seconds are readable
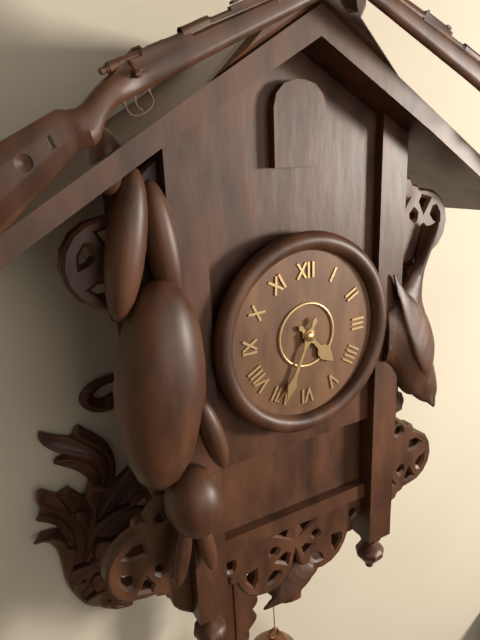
**4:34**
